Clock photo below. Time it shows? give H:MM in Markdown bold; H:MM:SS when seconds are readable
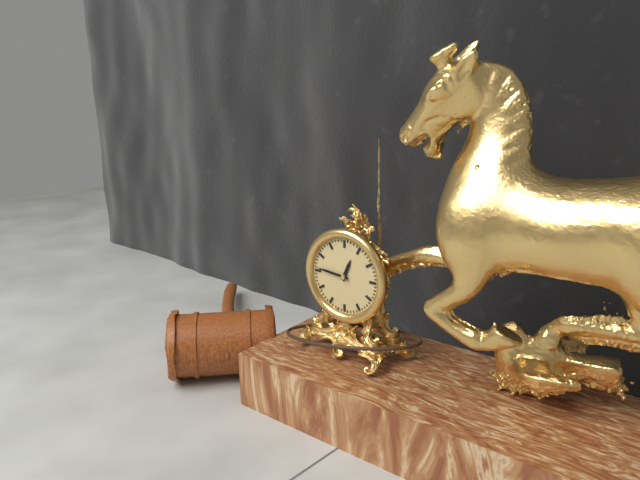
**12:46**
